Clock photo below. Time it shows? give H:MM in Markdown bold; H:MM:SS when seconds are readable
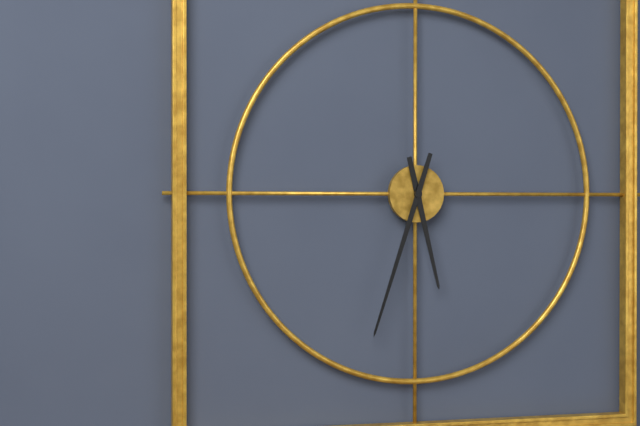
**5:33**
